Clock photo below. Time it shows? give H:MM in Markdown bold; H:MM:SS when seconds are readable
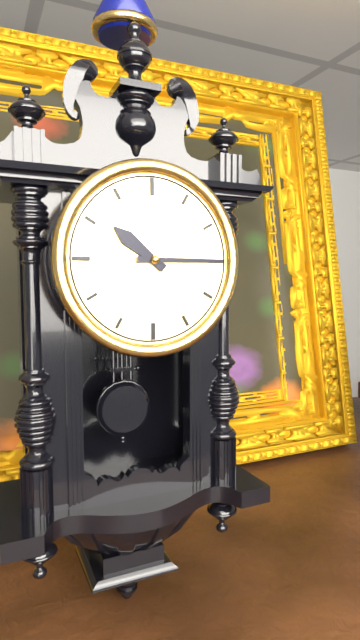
**10:15**
